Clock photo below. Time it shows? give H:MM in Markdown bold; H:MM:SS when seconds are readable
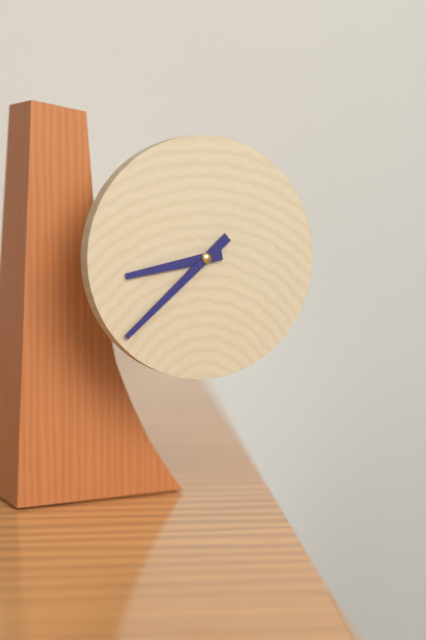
**8:38**
